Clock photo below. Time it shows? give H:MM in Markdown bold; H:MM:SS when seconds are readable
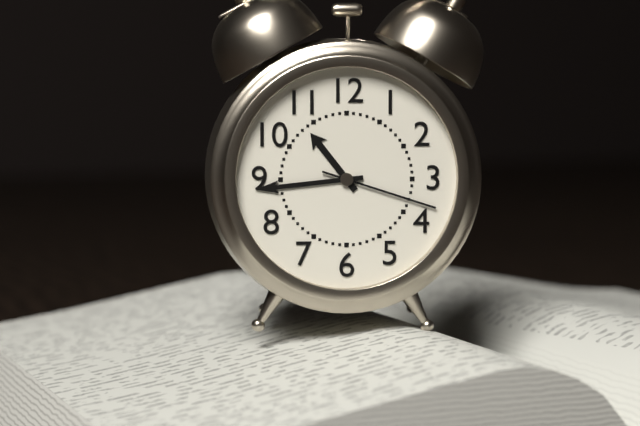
**10:44:18**
